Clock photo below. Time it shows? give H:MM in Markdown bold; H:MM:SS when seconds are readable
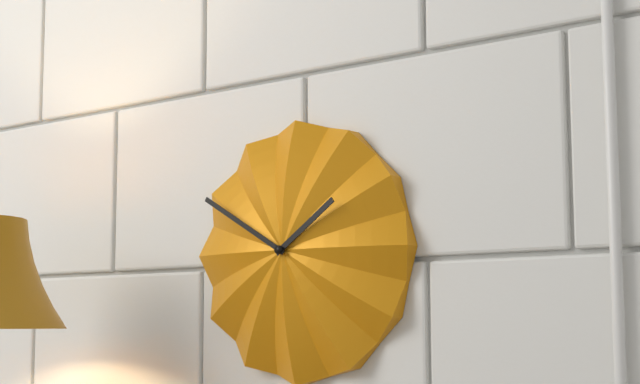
**1:50**
